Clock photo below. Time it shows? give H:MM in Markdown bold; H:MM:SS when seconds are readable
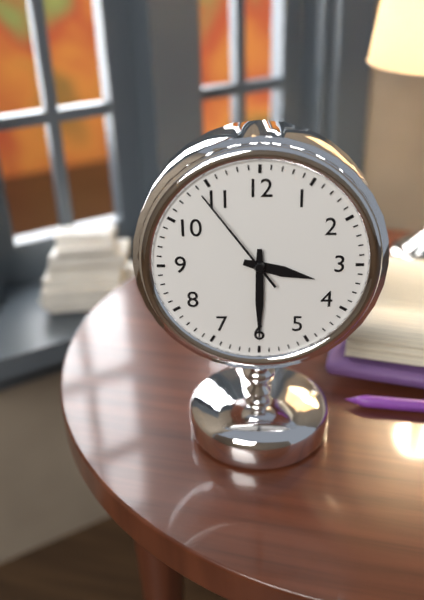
**3:30:54**
